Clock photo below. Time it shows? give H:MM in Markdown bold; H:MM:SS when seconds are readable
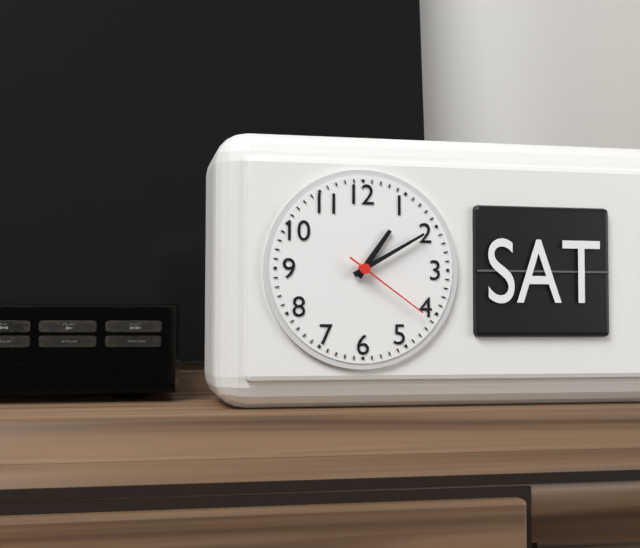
**1:10:21**
